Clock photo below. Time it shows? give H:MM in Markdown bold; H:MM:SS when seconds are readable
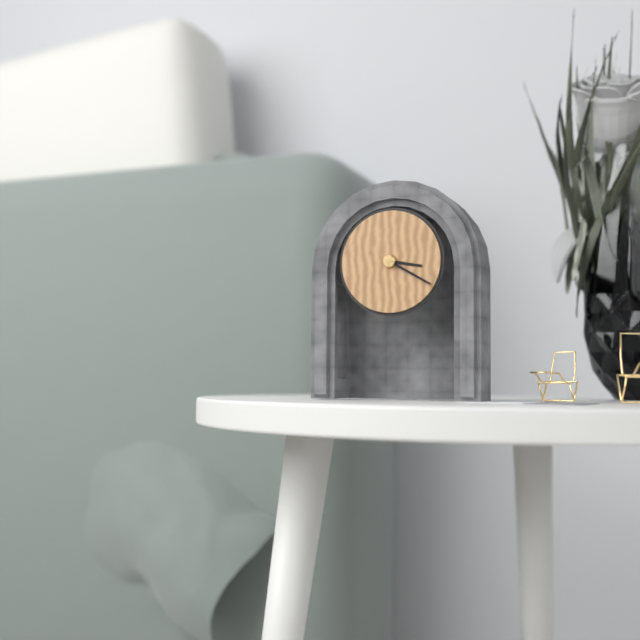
**3:20**
